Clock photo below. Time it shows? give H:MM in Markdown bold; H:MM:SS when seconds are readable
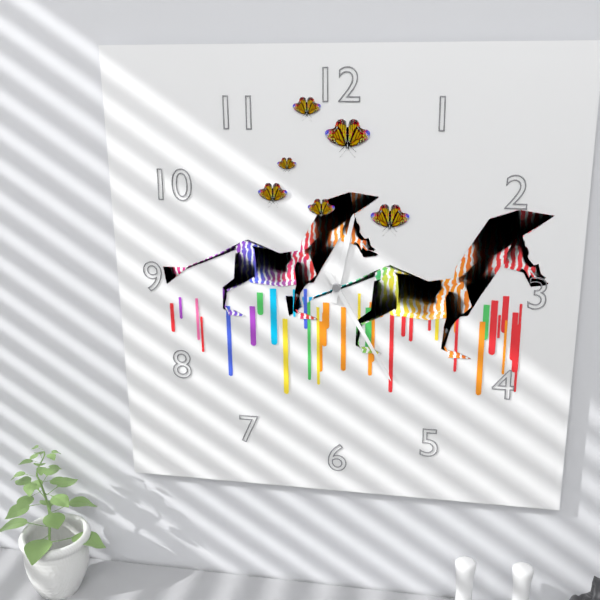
**12:25**
